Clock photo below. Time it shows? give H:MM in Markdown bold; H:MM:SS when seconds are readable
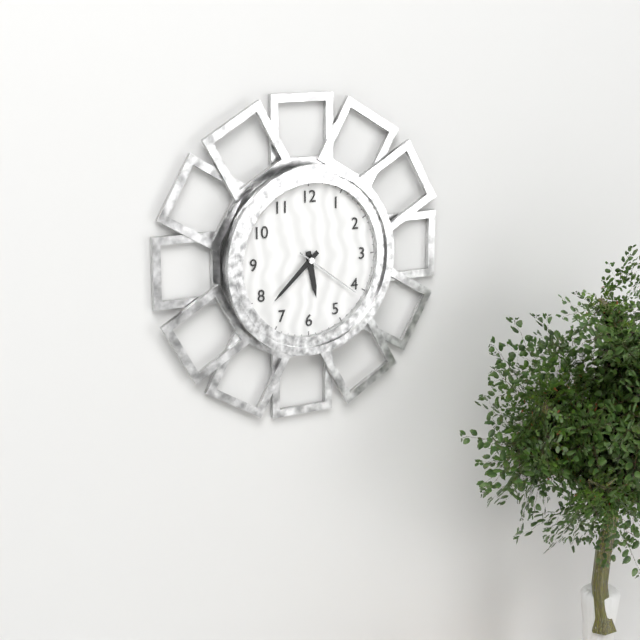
**5:38:21**
